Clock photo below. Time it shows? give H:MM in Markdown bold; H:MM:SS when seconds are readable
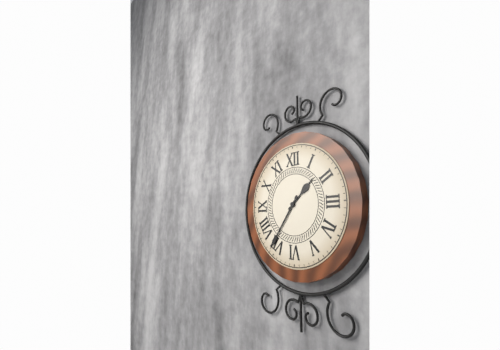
**1:36**
